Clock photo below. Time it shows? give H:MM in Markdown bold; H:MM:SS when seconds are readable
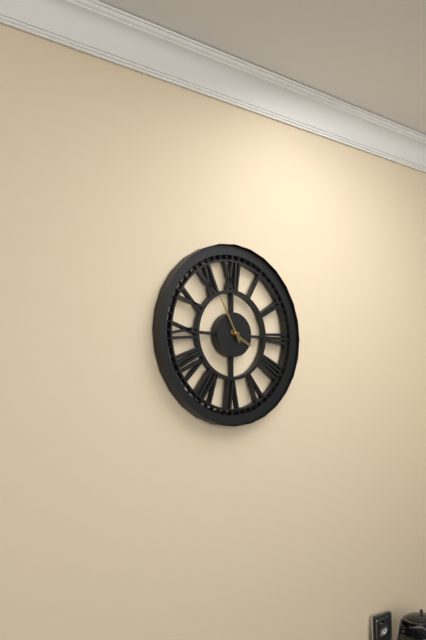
**3:55**
